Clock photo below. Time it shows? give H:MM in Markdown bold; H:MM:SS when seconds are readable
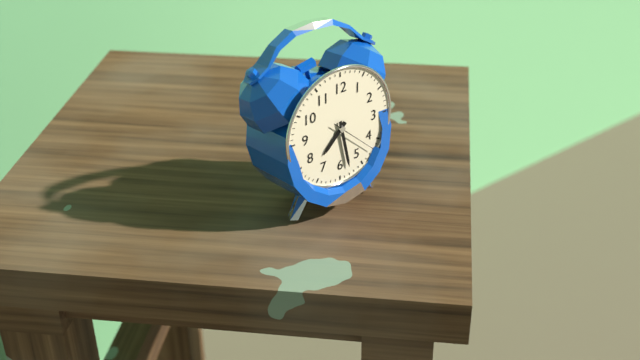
**7:28**
